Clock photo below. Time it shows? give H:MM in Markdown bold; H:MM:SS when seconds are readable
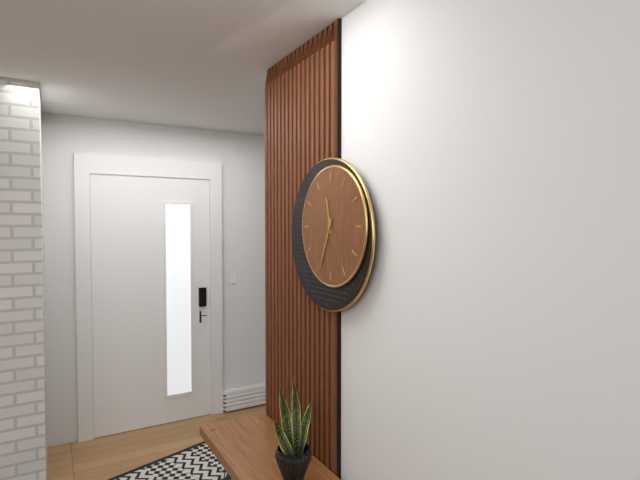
**11:34**
